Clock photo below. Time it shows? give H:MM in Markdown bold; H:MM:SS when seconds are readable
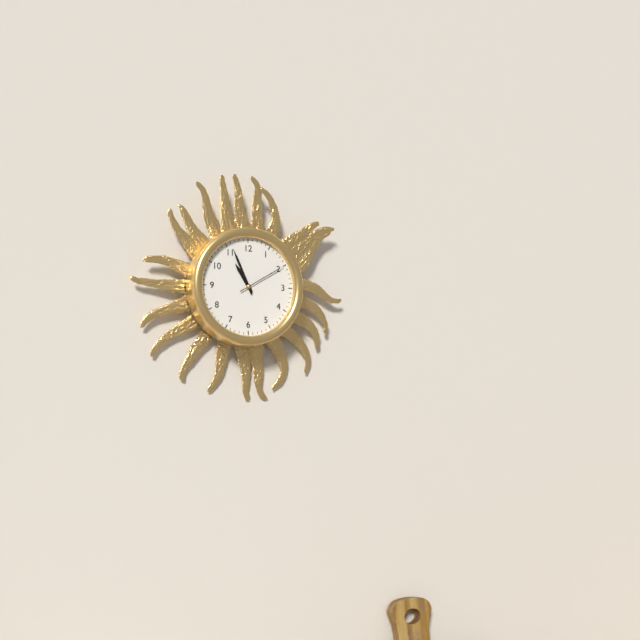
**10:56:10**
